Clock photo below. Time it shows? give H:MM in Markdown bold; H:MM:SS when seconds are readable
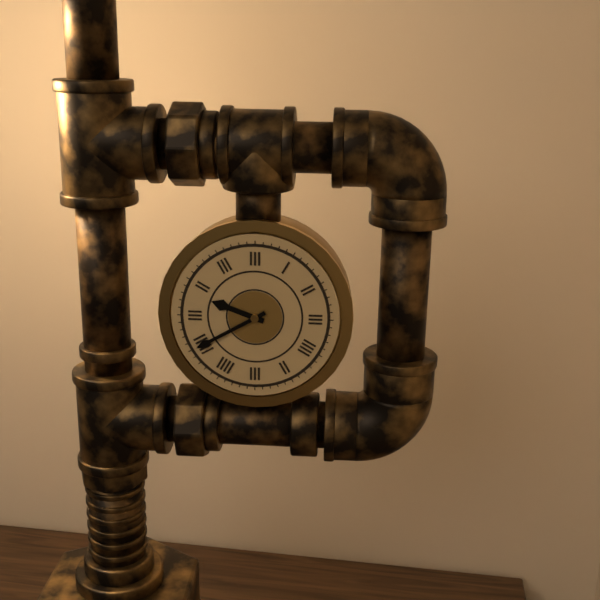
**9:40**
